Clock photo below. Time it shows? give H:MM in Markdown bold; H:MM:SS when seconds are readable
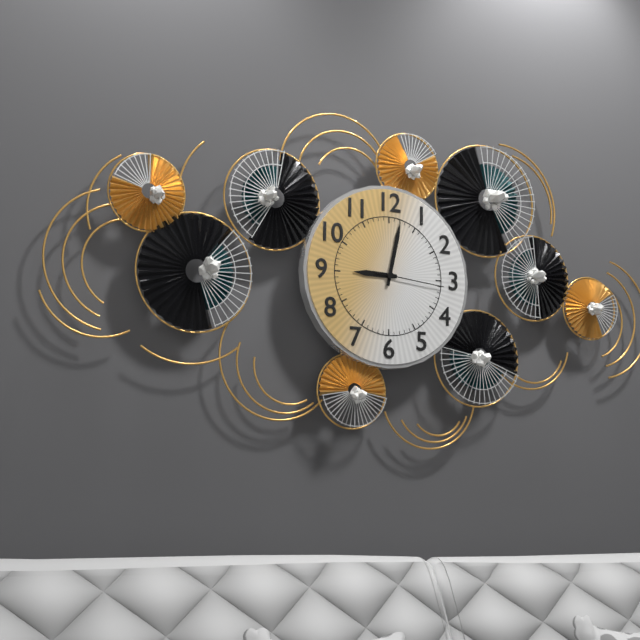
**9:02:16**
